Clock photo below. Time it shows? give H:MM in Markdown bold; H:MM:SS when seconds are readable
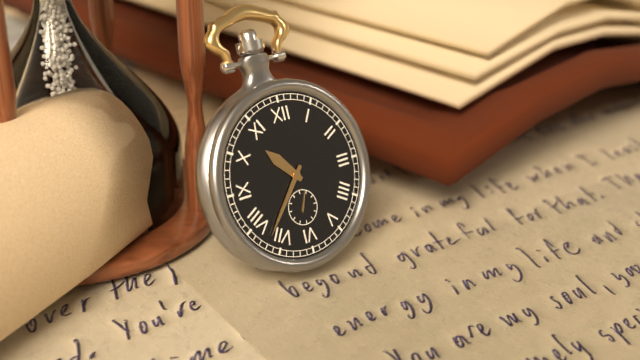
**10:37**
